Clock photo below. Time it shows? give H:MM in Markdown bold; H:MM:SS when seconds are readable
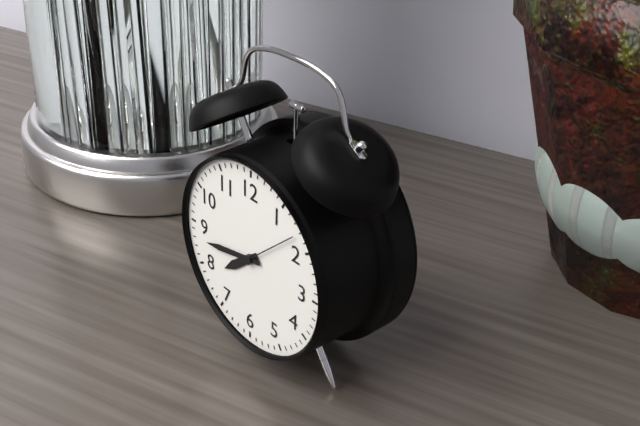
**7:43:08**
